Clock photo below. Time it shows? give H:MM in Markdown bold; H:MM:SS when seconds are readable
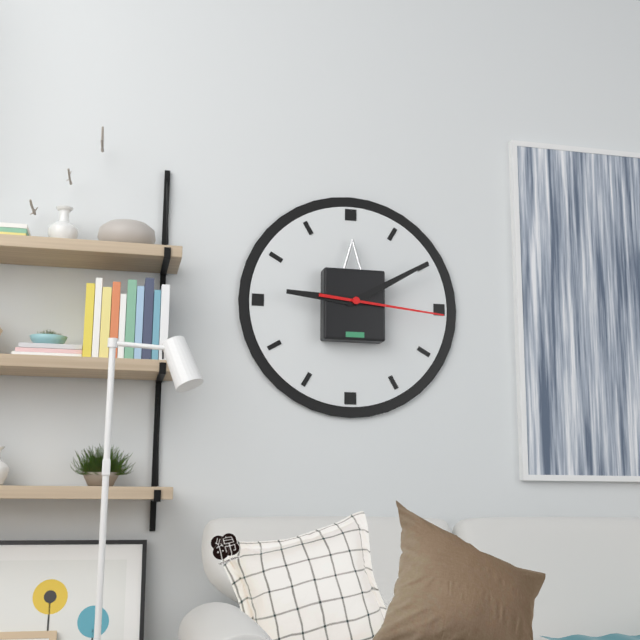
**9:10:16**
